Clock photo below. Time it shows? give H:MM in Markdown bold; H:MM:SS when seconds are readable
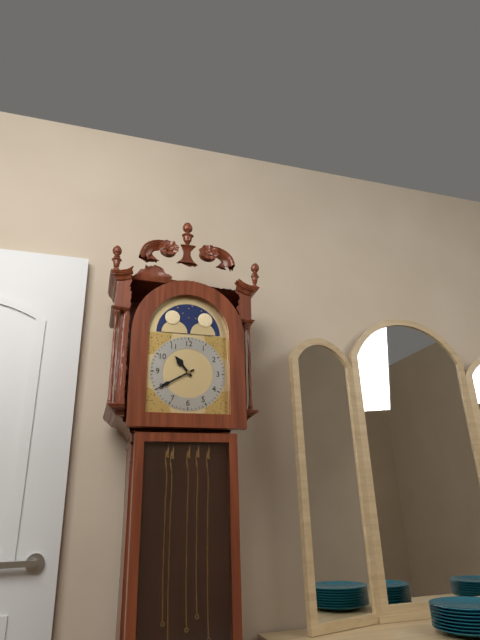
**10:40**
